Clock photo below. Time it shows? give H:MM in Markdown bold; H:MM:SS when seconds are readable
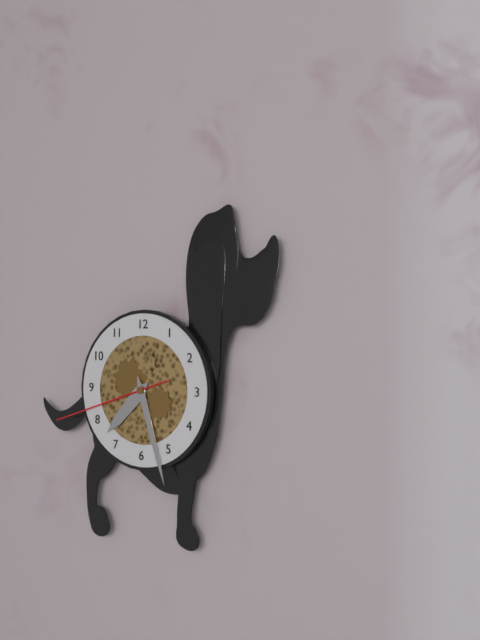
**7:27:42**
